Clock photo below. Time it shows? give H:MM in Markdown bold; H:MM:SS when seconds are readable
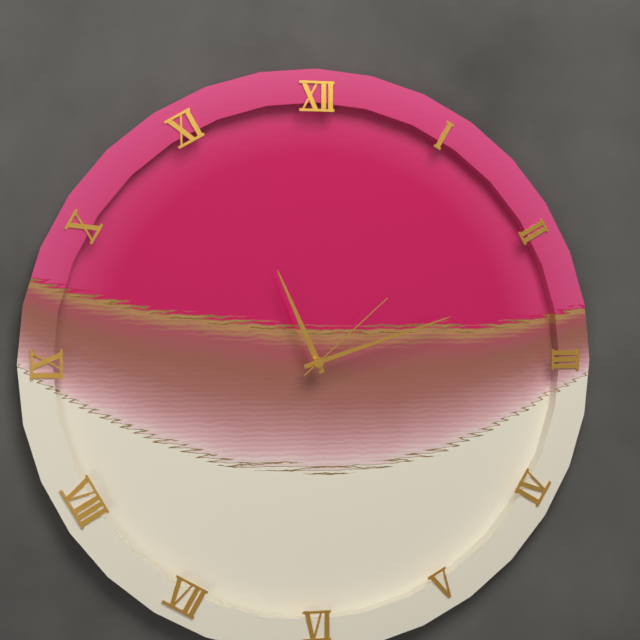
**11:12:08**
